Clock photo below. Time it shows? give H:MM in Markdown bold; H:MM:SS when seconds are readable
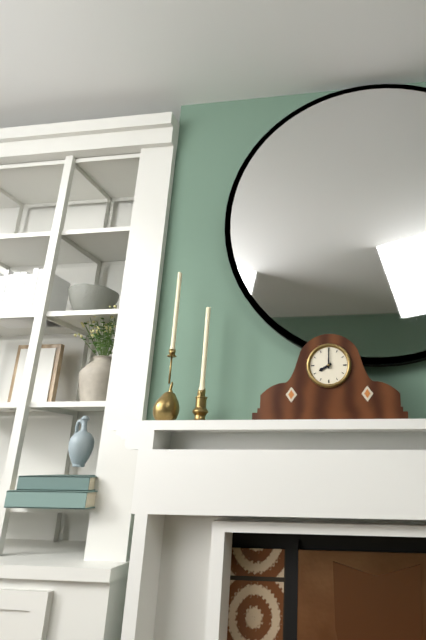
**8:00**
